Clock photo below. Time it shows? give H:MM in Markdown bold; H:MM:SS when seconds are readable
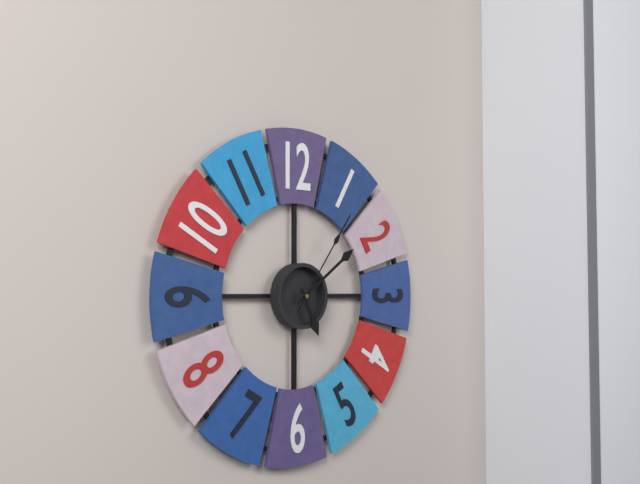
**5:09:06**
